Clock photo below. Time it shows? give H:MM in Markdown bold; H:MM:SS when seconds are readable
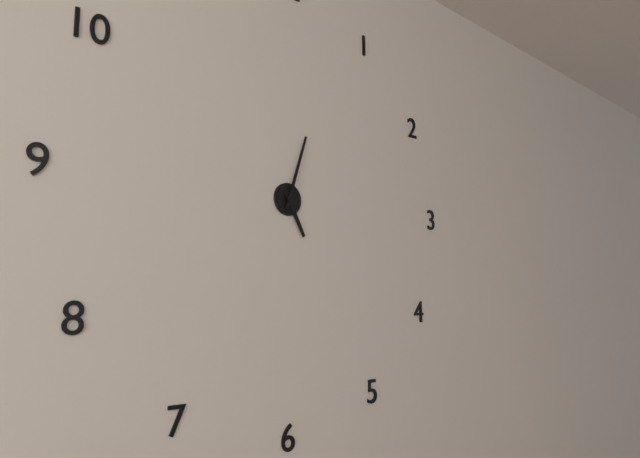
**5:03**
